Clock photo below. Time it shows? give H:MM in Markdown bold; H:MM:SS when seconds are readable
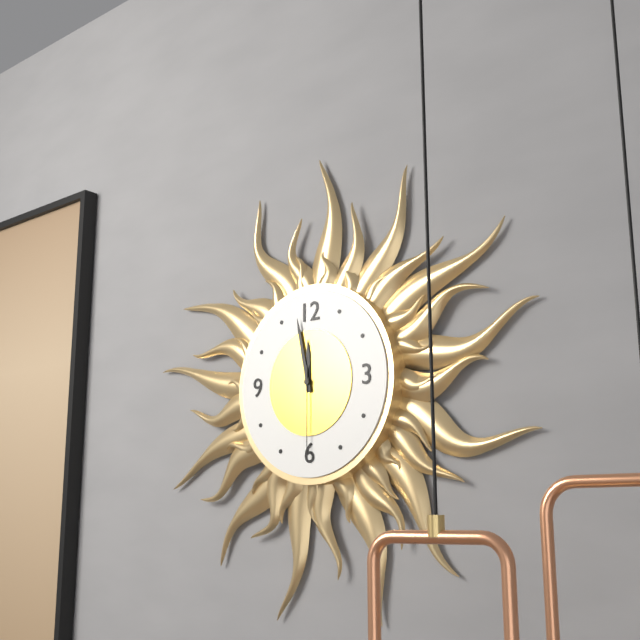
**11:58:30**
